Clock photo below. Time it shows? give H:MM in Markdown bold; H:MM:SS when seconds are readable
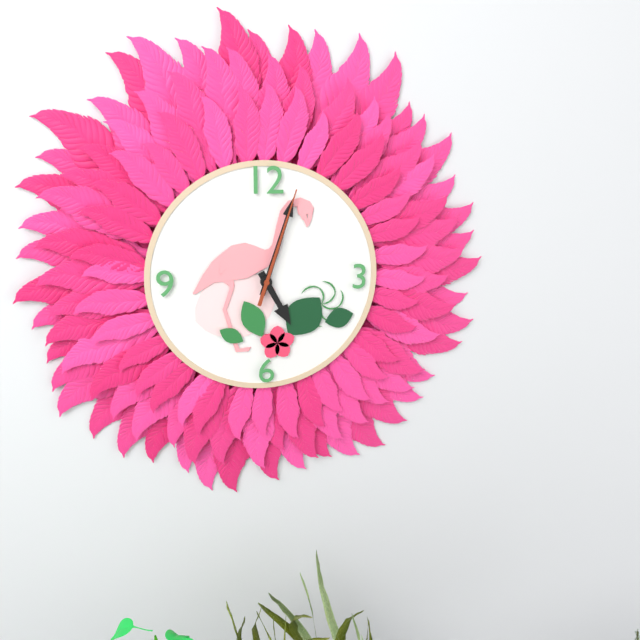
**5:03:03**
